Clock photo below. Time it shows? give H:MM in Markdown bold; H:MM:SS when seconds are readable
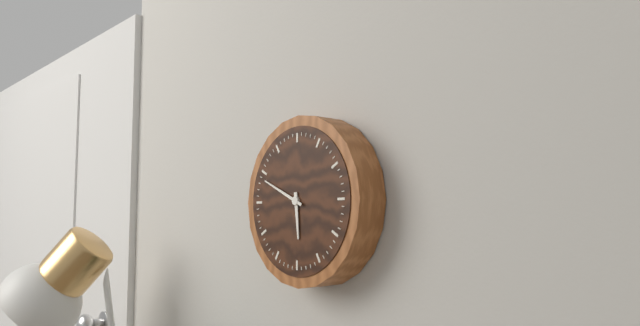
**5:49**
